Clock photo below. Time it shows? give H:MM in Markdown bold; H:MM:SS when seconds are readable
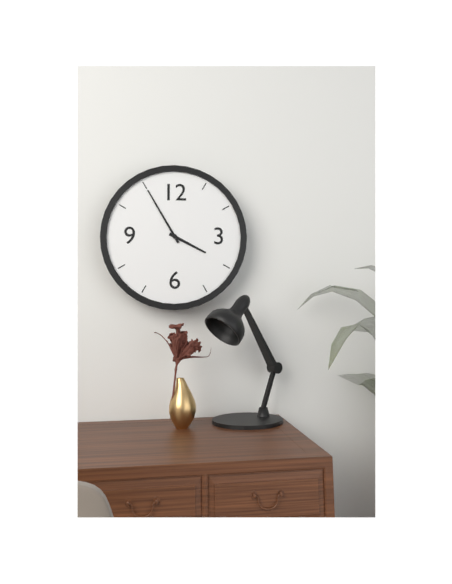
**3:55**
